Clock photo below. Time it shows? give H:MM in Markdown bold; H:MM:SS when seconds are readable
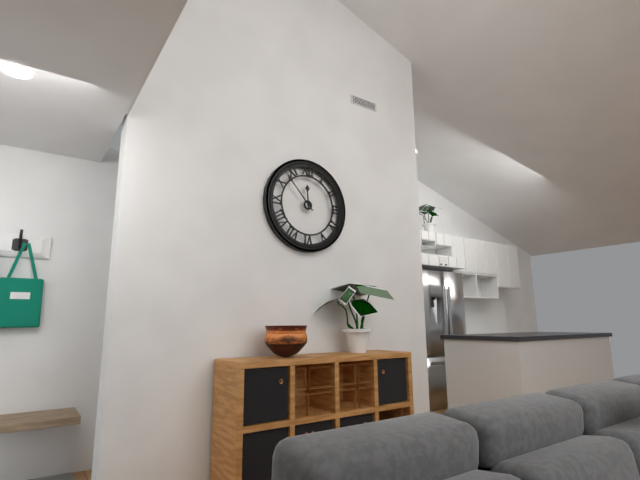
**11:53**
